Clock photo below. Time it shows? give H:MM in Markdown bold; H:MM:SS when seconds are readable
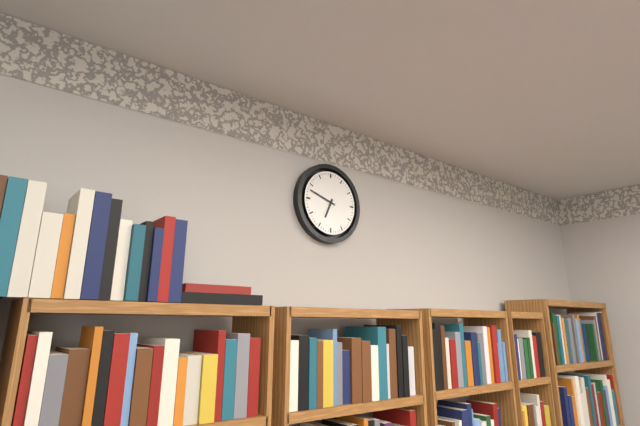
**6:48**
